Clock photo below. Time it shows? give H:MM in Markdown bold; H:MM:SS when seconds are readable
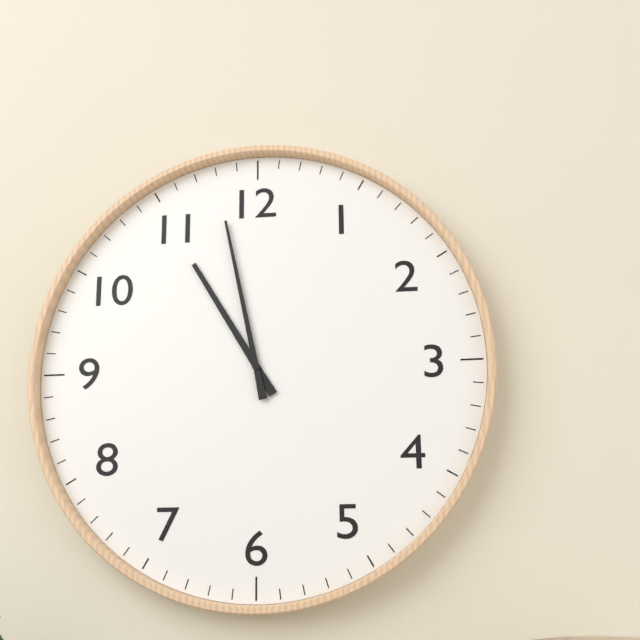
**10:58**
